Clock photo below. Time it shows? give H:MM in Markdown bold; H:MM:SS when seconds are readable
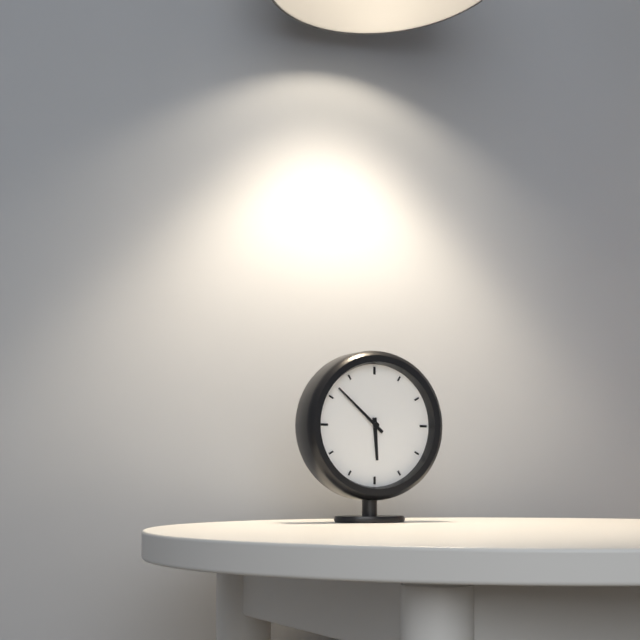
**5:52**
